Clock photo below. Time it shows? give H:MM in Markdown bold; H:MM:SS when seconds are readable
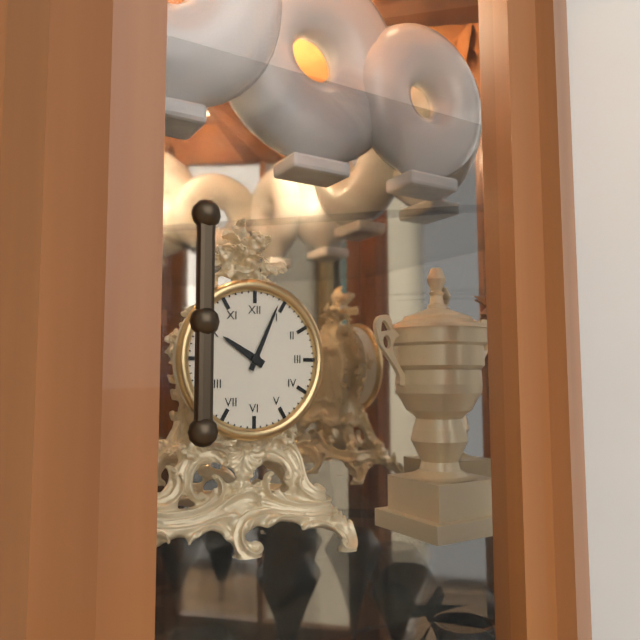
**10:04**
